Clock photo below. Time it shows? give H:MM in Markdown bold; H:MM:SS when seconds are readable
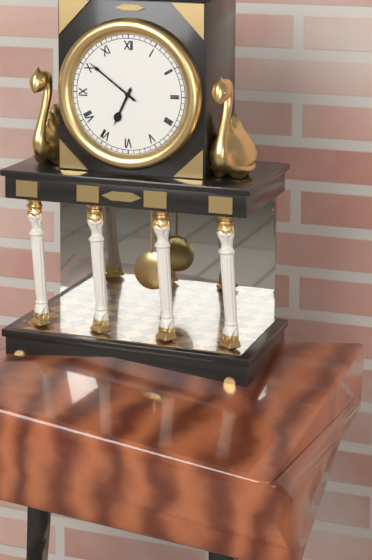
**6:51**
